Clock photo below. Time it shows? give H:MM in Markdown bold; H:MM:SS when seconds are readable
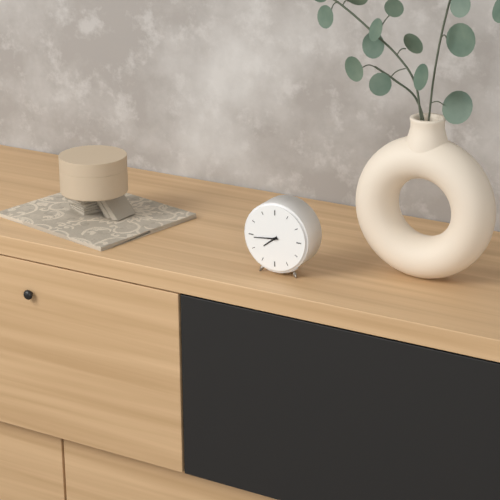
**7:44**
